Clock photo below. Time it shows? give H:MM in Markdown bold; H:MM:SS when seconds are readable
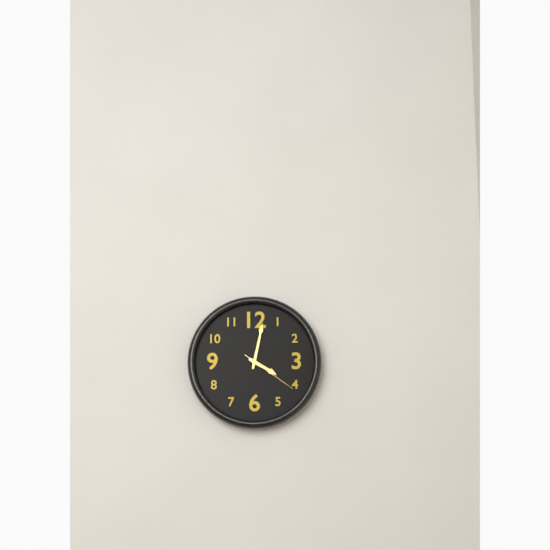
**4:02:21**
